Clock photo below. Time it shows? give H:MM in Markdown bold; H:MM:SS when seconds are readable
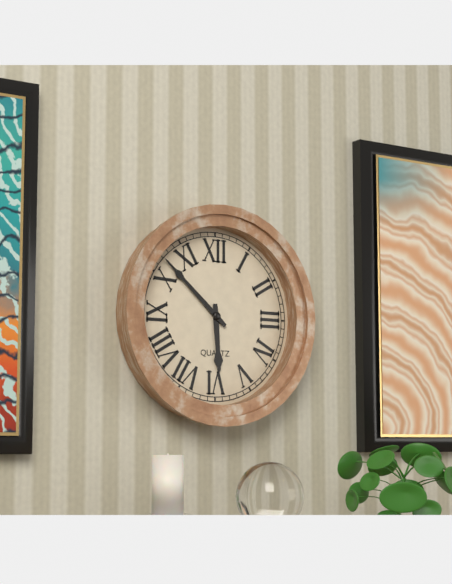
**5:52**
